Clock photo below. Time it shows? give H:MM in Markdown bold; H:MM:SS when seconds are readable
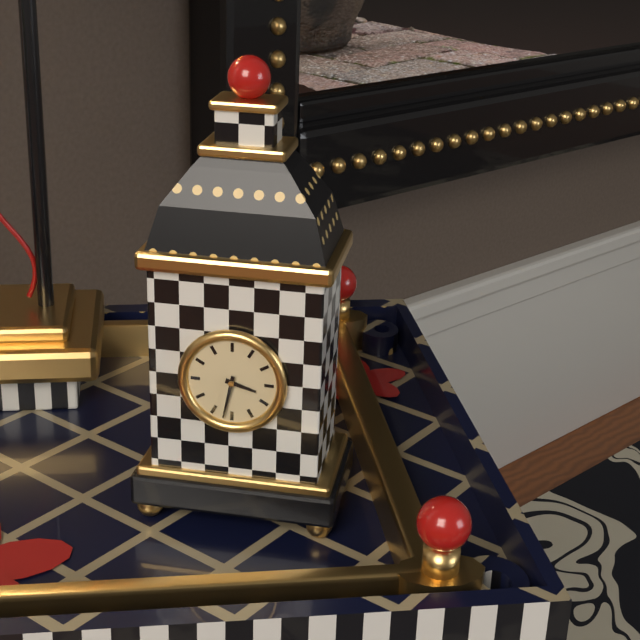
**3:32**
